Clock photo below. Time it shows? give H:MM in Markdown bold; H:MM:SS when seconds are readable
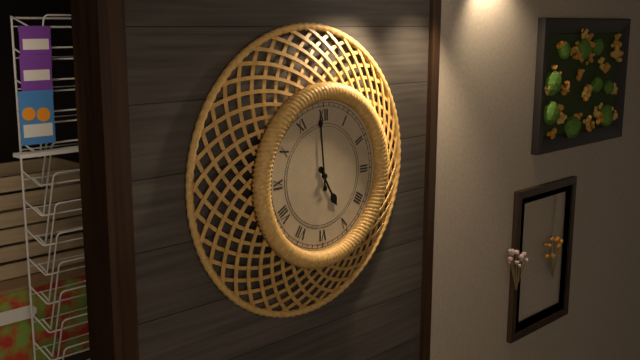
**4:59**
